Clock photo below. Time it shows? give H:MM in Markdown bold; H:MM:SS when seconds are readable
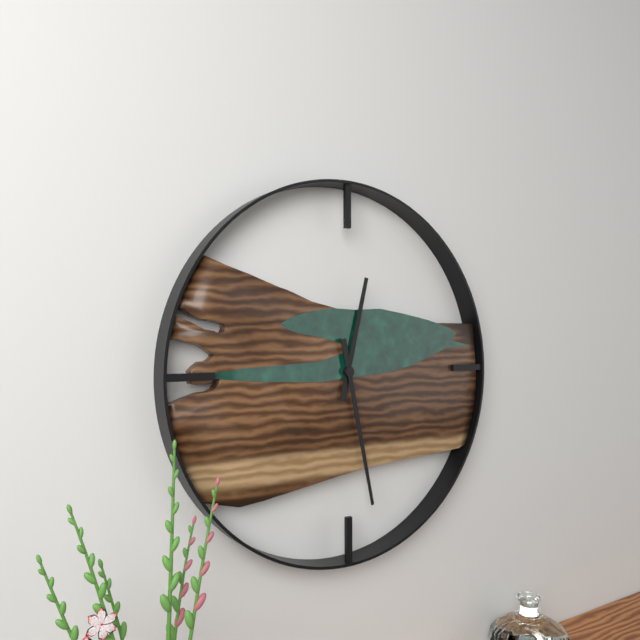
**12:28**
